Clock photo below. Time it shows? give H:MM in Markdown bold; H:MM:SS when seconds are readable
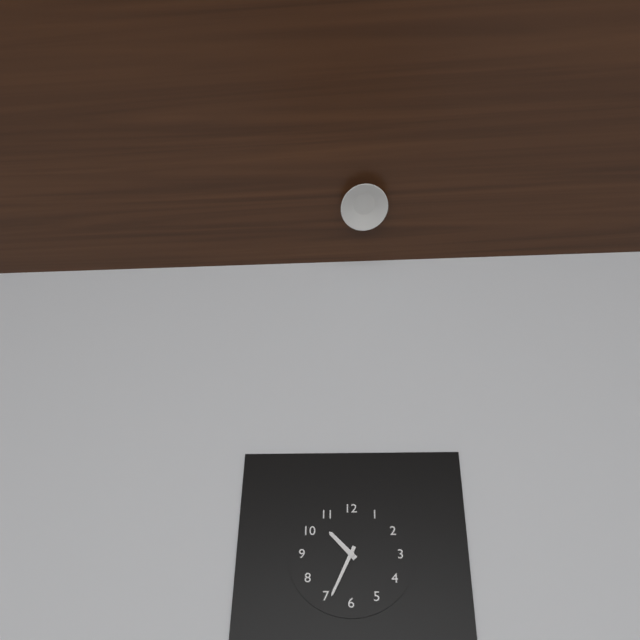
**10:34**
